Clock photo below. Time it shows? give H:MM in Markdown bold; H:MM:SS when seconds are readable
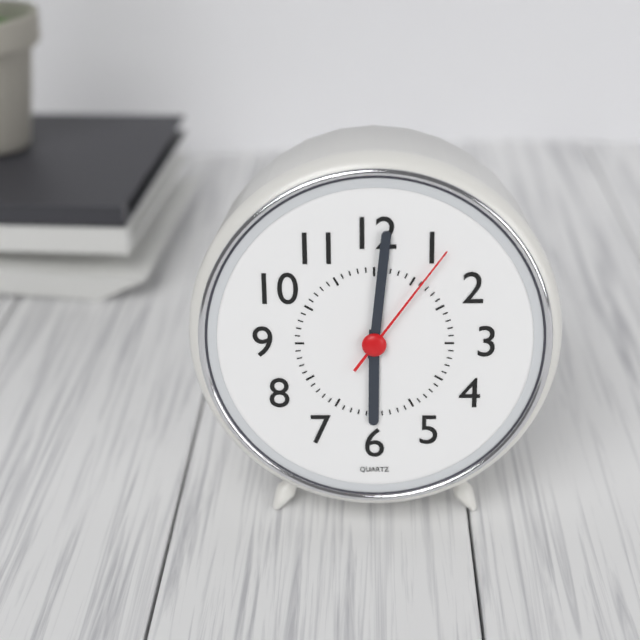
**6:01:06**
